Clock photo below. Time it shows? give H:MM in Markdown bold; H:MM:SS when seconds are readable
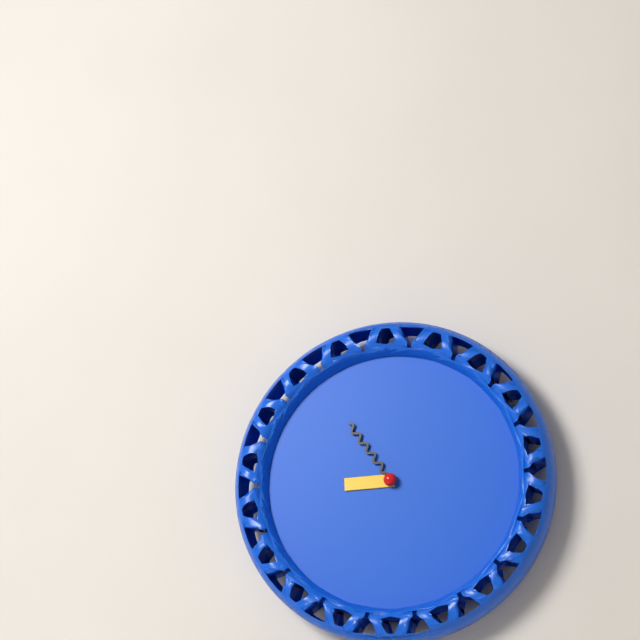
**8:54**
